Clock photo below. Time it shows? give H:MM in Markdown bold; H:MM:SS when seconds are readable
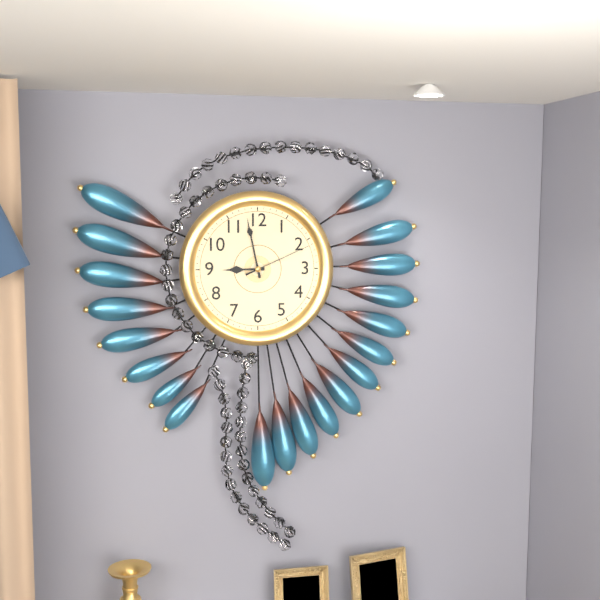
**8:58:11**
